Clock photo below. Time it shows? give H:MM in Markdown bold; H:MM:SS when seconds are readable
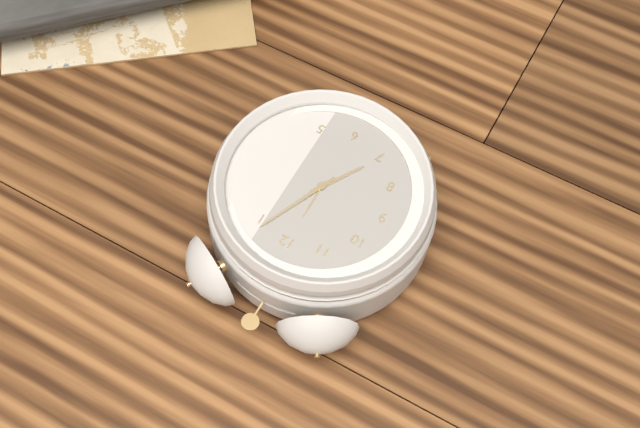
**7:04**
